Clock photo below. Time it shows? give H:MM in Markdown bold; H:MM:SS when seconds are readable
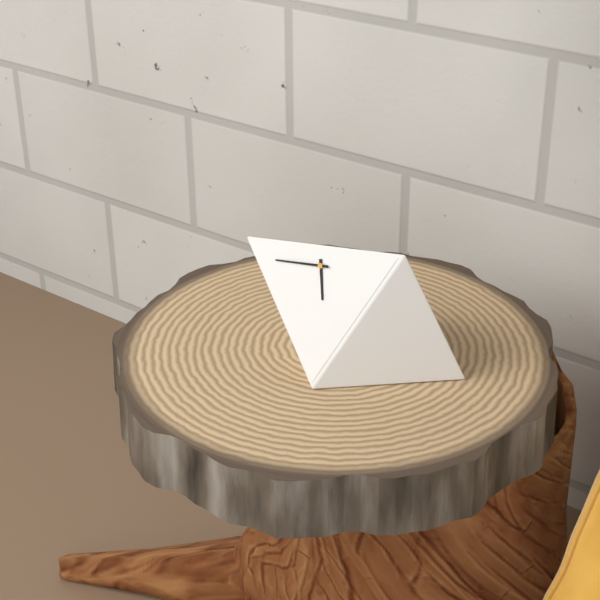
**5:45**
